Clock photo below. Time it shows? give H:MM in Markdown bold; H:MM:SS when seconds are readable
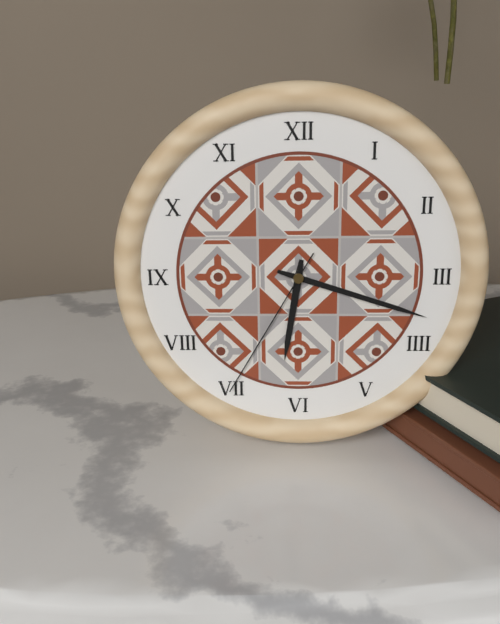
**6:18:35**
